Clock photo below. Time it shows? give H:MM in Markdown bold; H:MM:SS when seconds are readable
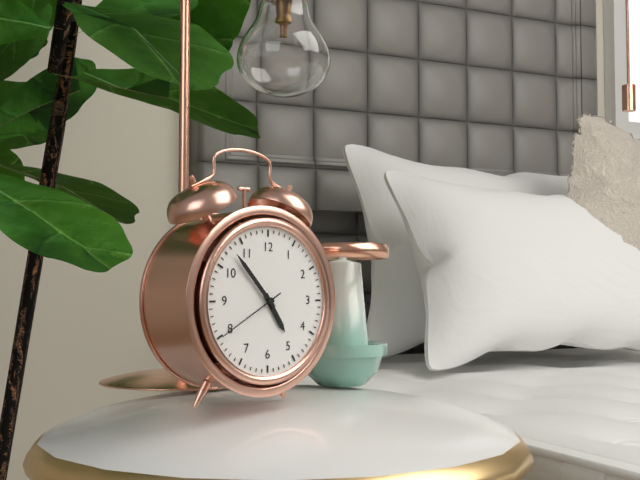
**4:53:40**
